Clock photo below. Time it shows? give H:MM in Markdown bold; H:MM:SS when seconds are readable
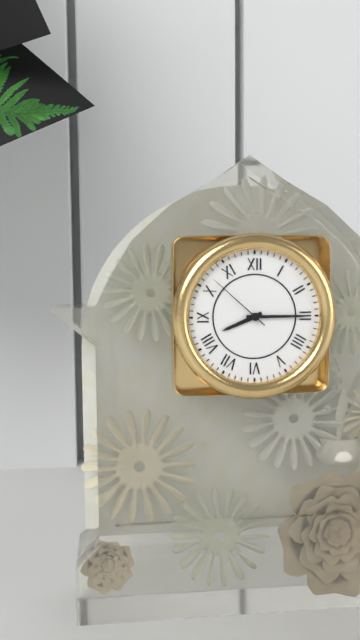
**8:15:52**
